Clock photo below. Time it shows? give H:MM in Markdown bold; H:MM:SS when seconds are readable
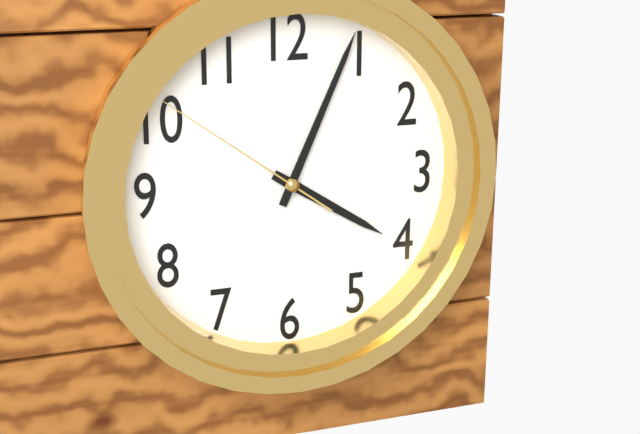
**4:04:51**
